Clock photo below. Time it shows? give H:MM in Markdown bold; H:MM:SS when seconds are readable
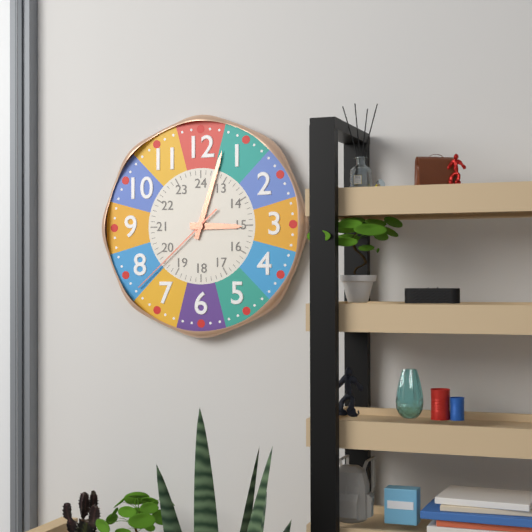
**3:03:38**
